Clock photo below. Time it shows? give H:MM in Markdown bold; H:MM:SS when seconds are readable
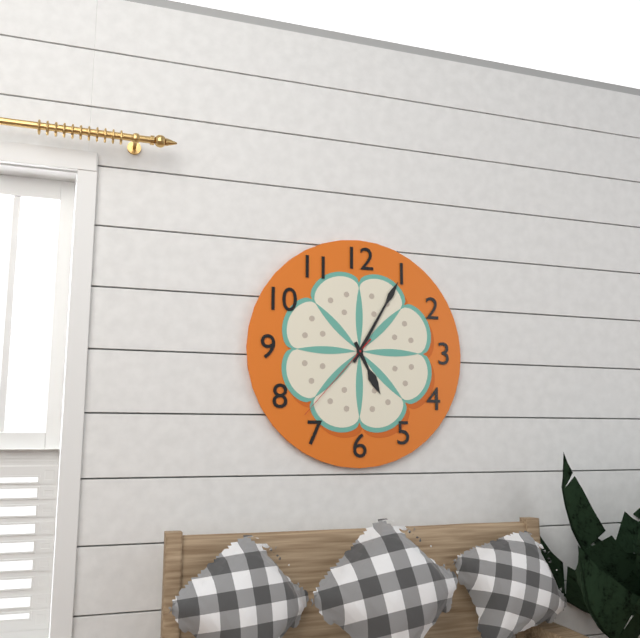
**5:05:37**
